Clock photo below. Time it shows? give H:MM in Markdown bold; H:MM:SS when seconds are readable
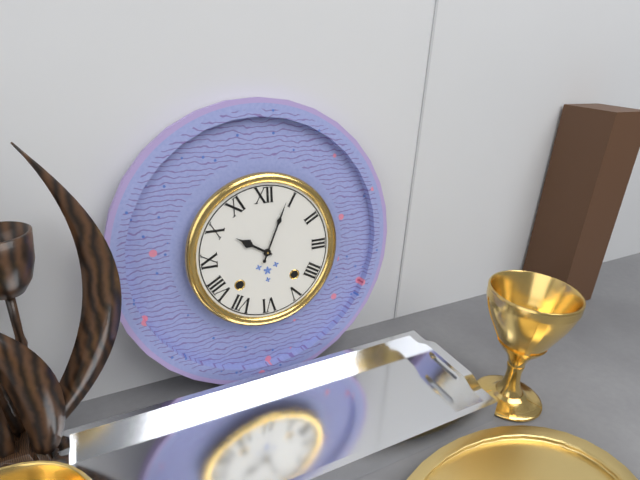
**10:04**
